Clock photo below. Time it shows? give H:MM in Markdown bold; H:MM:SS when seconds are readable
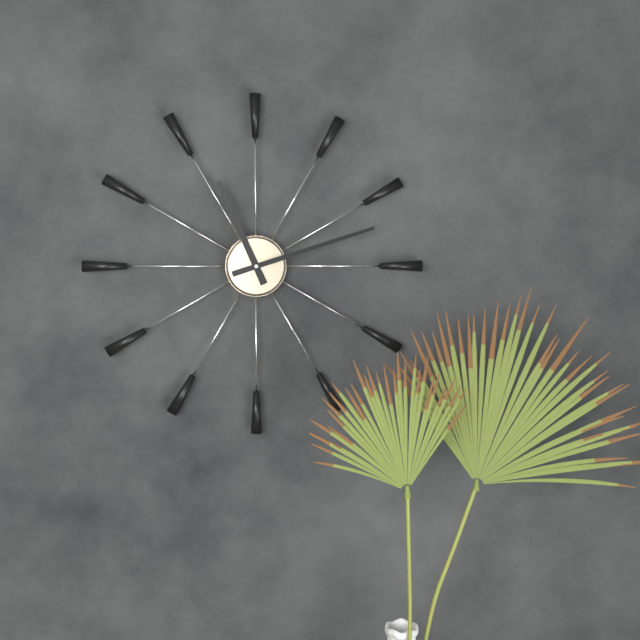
**11:12**
